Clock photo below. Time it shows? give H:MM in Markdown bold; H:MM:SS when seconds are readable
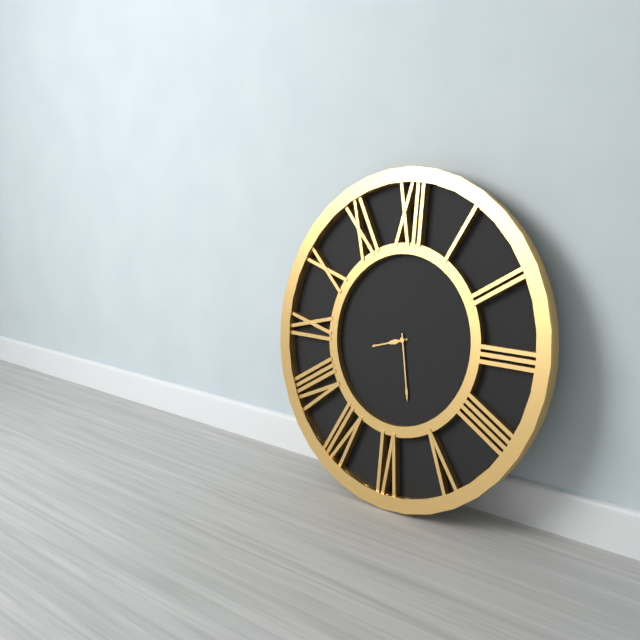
**8:28**
